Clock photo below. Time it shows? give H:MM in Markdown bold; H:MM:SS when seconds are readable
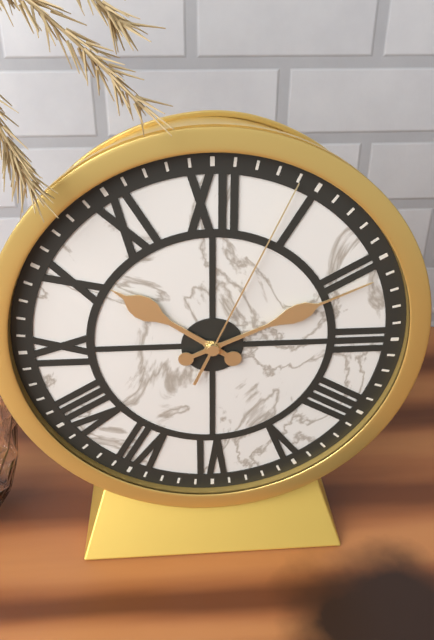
**10:11:04**
